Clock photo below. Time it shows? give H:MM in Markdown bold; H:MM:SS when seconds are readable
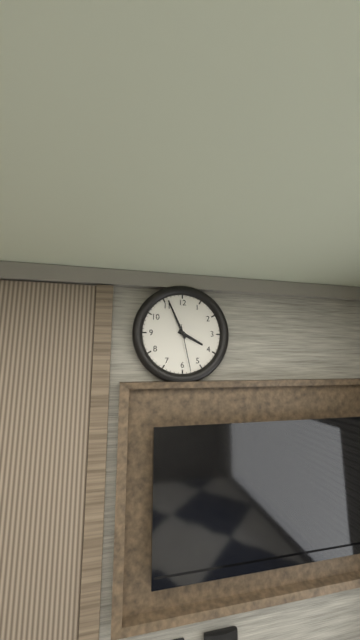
**3:56**
